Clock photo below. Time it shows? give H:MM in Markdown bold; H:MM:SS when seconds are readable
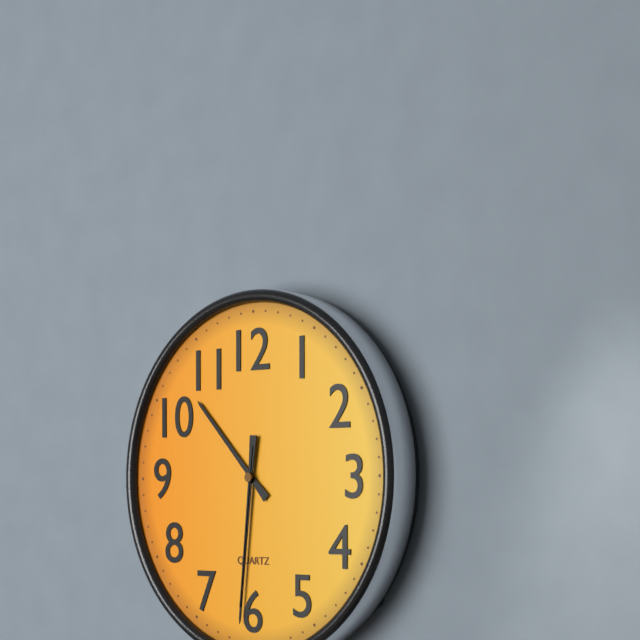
**10:31:31**
